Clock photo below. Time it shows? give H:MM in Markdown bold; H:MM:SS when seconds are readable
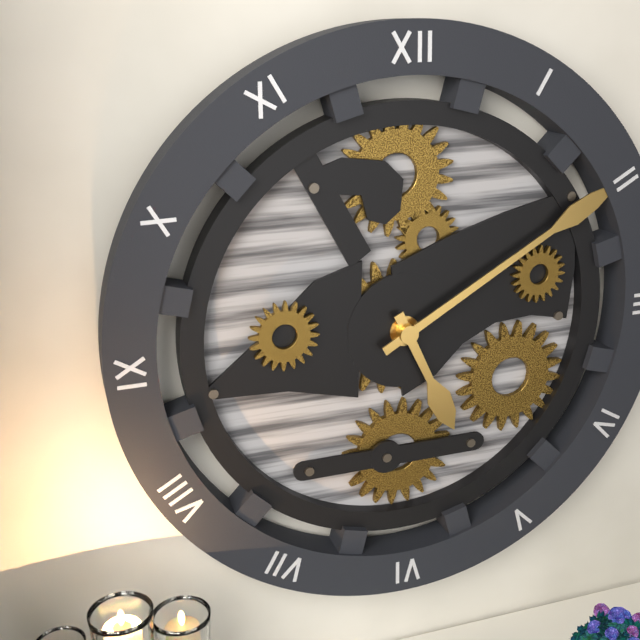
**5:10**
